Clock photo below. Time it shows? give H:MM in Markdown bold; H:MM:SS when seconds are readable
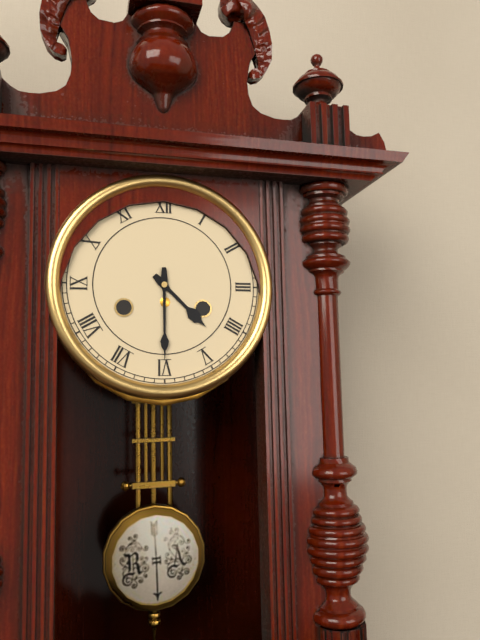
**4:30**
